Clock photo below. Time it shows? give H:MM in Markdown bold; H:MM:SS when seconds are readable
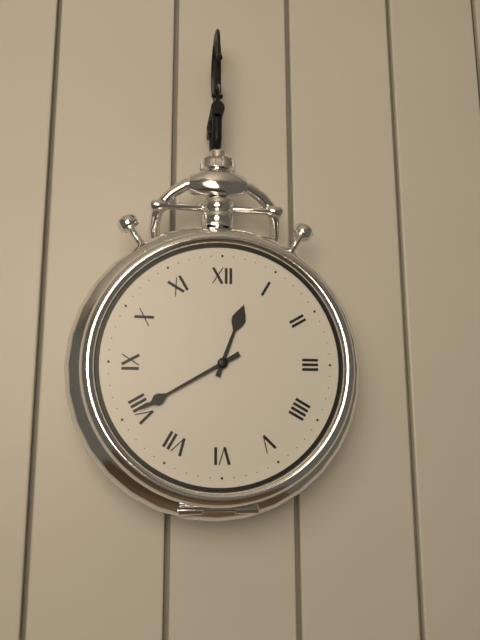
**12:40**
